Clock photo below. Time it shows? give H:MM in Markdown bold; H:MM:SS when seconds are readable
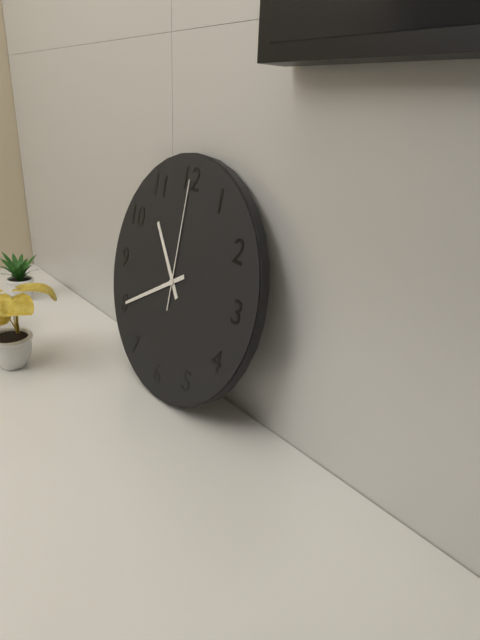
**10:40:00**
